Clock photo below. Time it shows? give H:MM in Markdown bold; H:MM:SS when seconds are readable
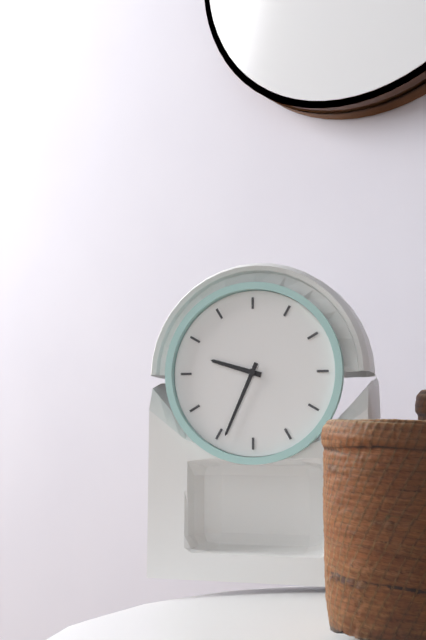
**9:34**
